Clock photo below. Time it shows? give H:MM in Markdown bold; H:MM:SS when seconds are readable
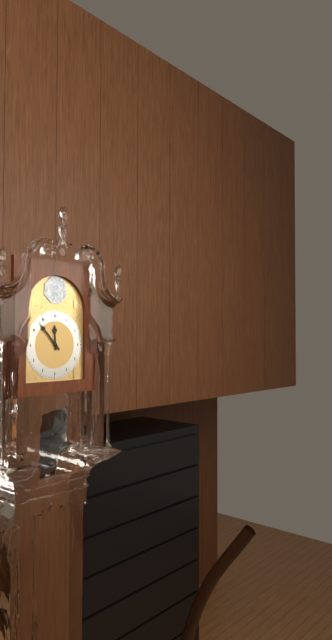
**11:53**
